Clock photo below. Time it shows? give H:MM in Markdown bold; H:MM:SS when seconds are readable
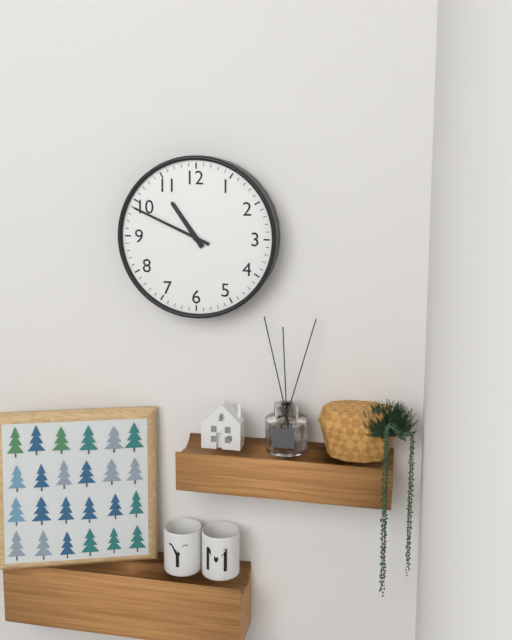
**10:49**
